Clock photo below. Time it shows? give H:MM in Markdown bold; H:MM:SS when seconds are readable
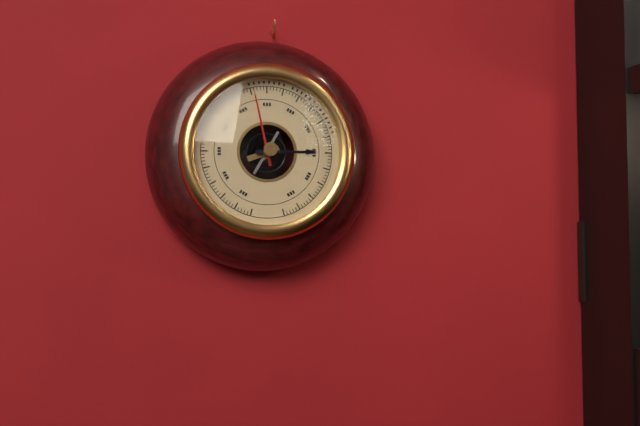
**2:58**
